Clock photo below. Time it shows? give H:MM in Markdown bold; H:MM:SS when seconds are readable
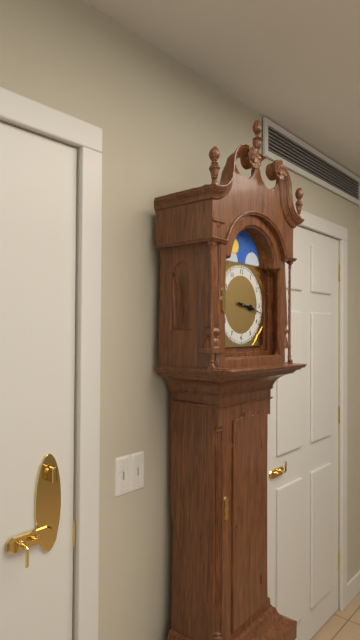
**3:17**
